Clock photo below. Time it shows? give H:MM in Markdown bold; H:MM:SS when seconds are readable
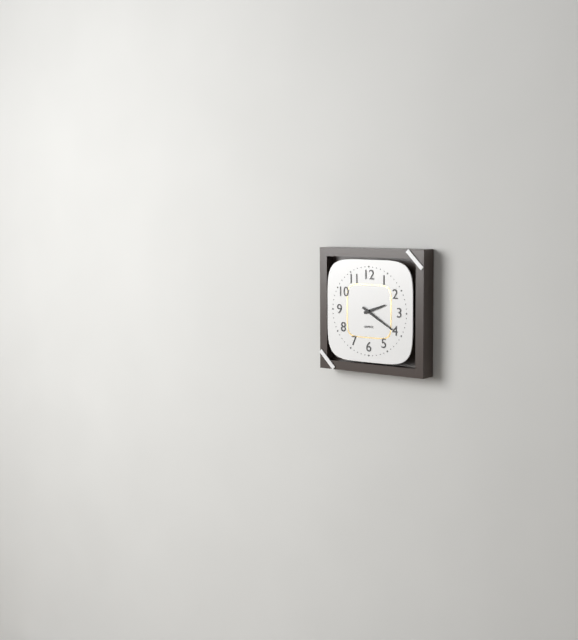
**2:20**
